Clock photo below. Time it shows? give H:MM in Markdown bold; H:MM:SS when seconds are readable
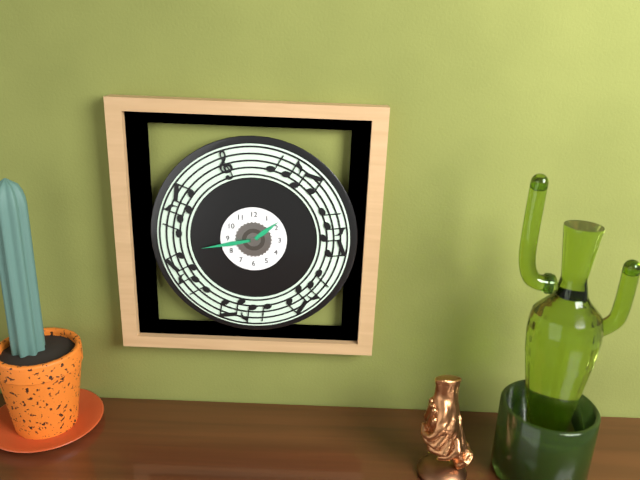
**1:43**
